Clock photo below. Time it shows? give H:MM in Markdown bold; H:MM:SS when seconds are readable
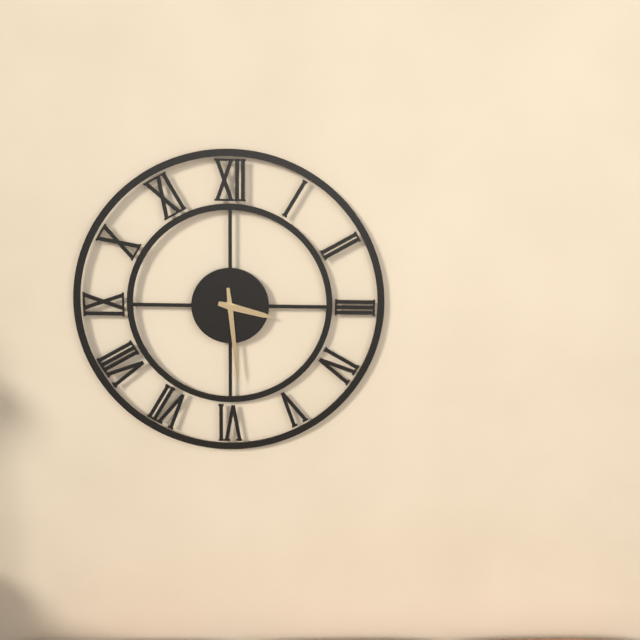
**3:29**
